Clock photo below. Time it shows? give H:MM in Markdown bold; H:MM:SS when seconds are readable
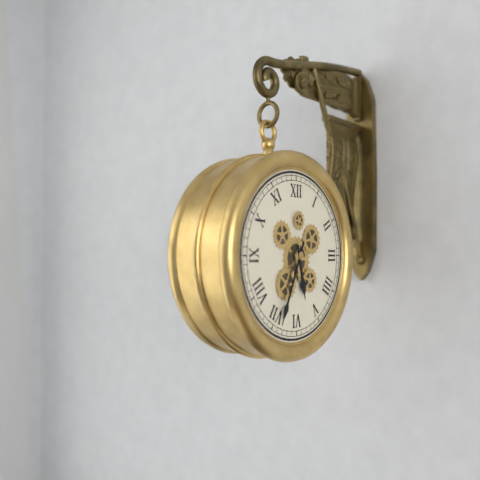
**5:34**
